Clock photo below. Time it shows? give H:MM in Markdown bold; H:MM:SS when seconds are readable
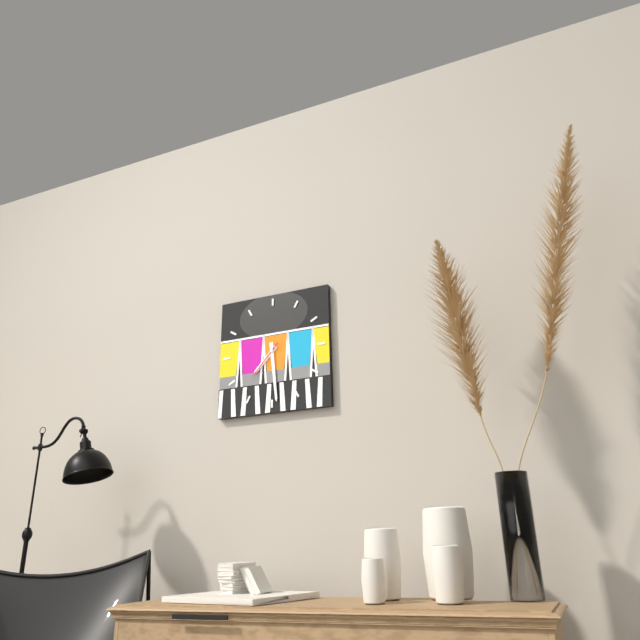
**7:29**
